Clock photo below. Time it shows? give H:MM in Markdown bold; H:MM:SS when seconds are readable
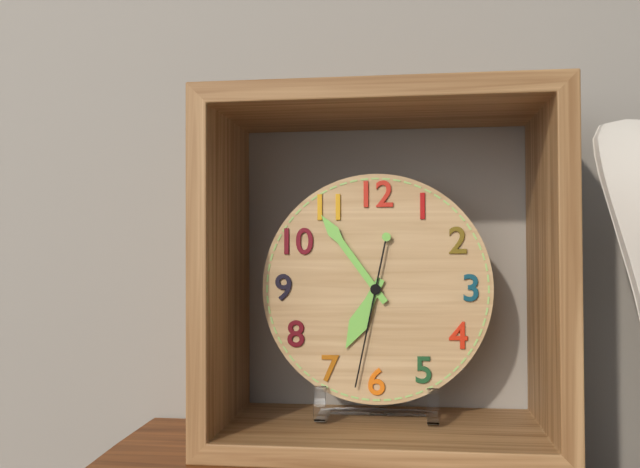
**6:54:32**
